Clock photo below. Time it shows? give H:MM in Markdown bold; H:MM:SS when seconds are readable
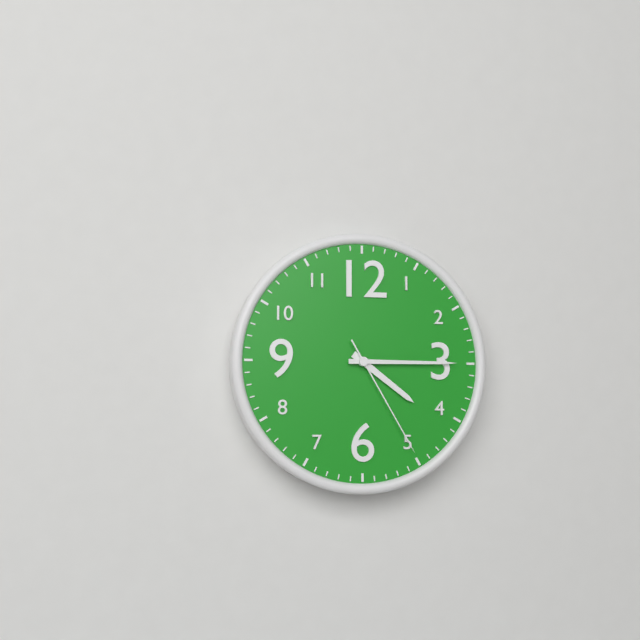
**4:15:25**
